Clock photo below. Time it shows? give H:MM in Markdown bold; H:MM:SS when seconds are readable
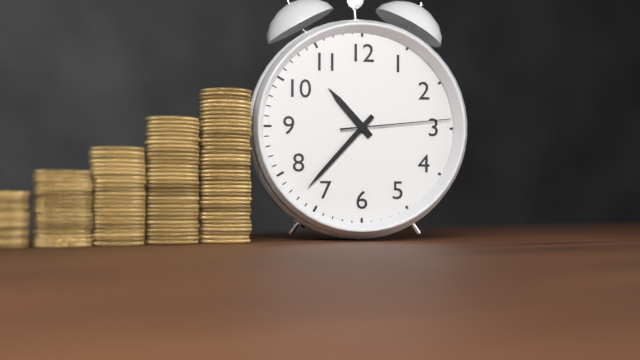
**10:37:14**
